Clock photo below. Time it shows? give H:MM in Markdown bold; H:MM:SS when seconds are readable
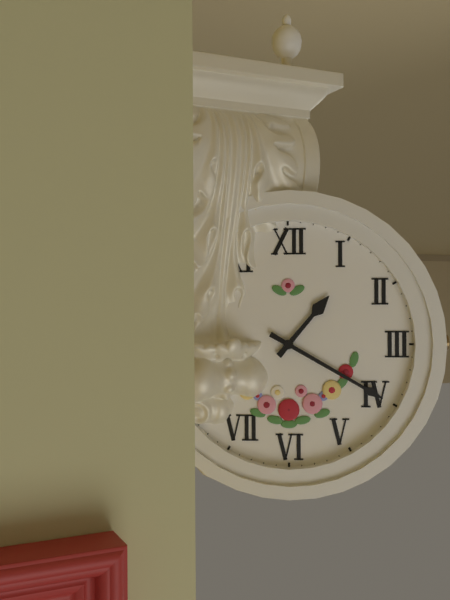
**1:20**
